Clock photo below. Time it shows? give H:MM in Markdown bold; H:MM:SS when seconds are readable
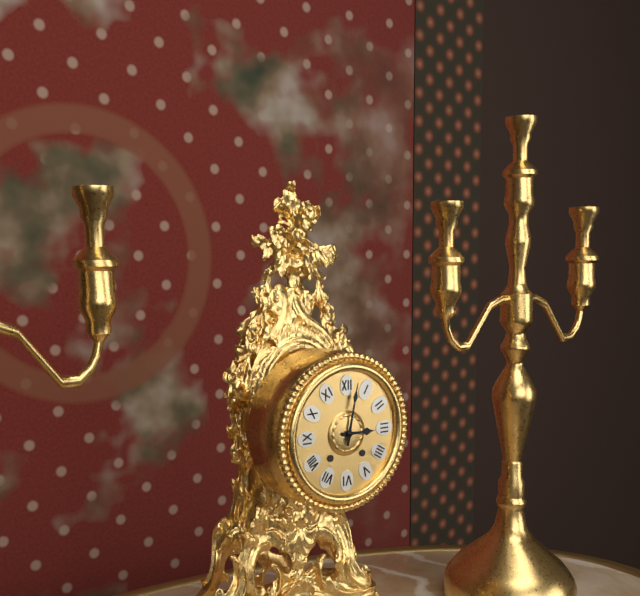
**3:02**
